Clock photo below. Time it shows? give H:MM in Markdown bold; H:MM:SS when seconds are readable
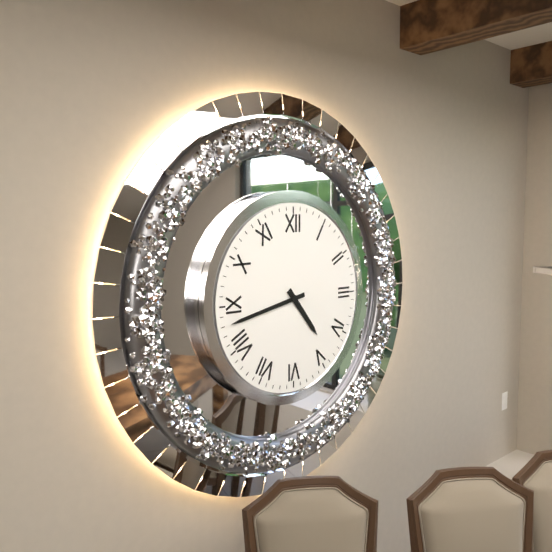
**4:43**
